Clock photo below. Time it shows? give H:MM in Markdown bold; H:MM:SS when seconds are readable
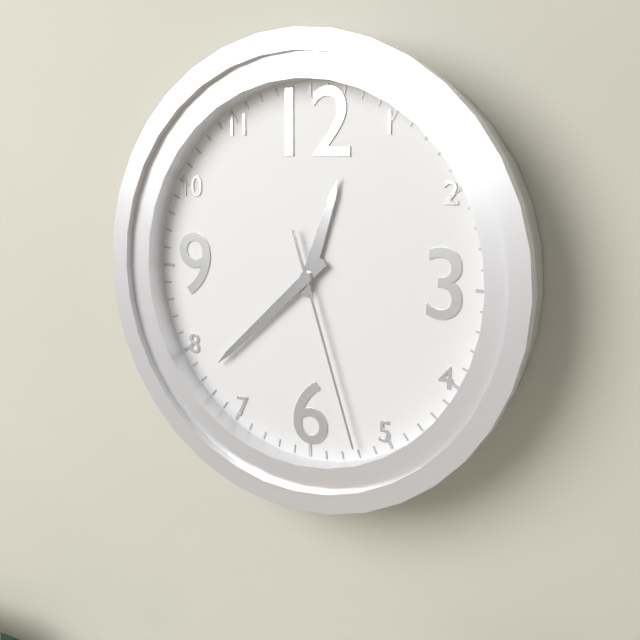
**12:38:27**
